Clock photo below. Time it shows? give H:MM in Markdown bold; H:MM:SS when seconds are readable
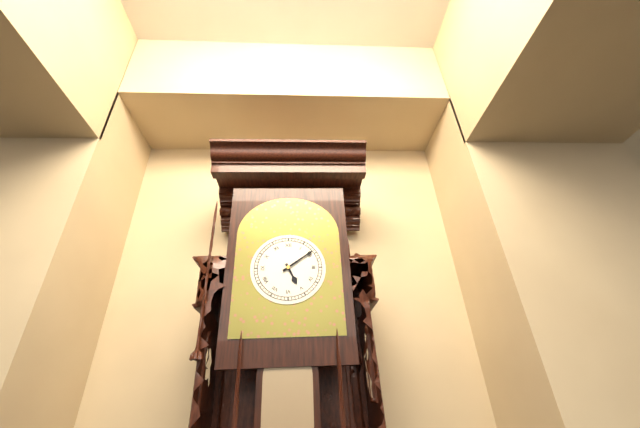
**5:09**
